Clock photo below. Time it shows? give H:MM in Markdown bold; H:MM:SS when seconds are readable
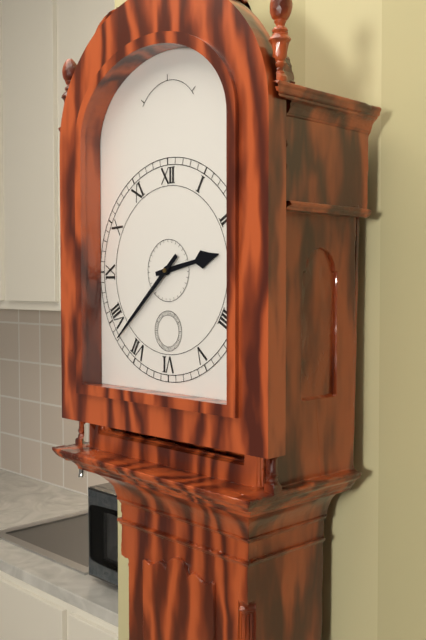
**2:38**
